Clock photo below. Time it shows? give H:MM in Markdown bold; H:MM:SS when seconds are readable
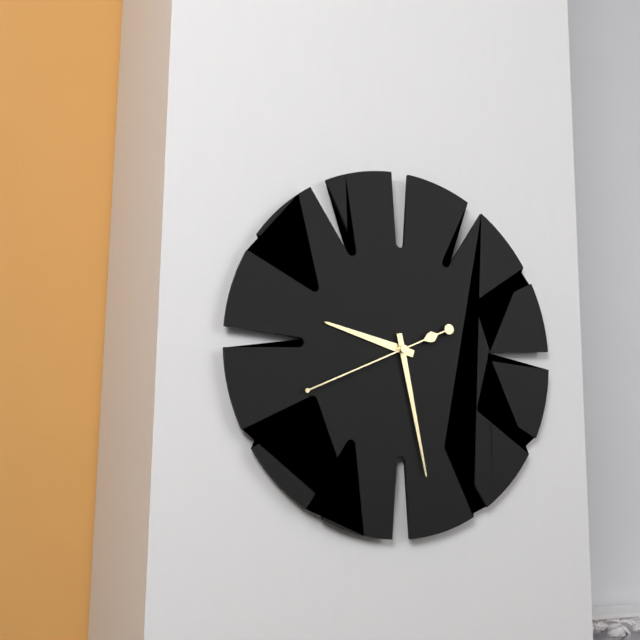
**9:28:41**
